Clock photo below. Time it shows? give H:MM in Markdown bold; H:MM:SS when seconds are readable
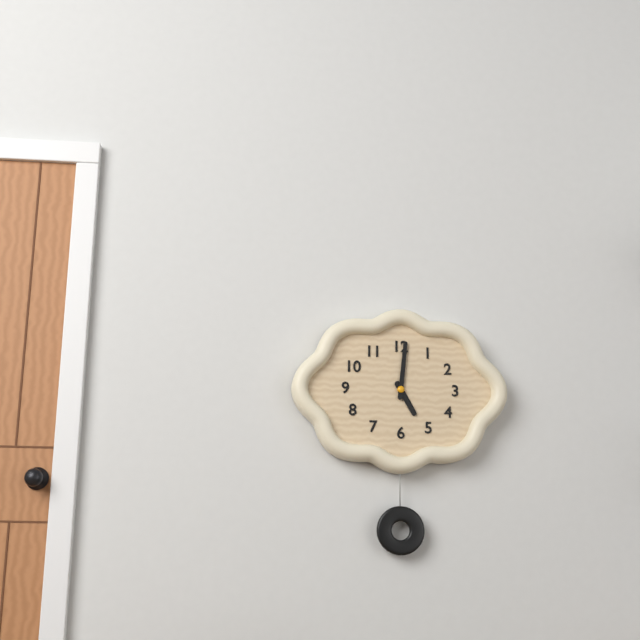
**5:01**
